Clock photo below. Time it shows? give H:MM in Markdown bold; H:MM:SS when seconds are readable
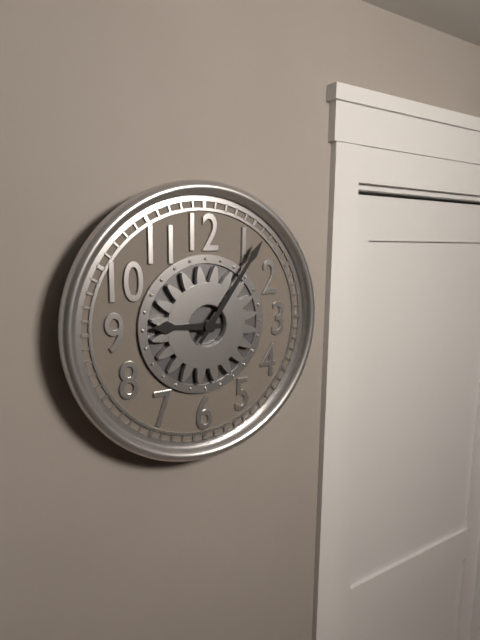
**9:06**
